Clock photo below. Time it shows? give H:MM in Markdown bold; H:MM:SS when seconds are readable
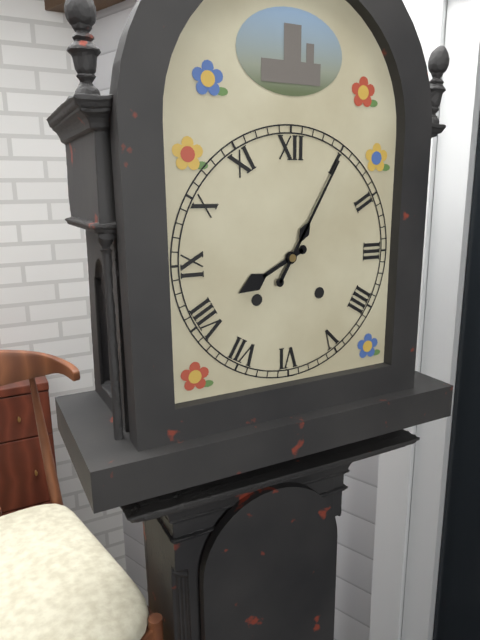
**8:05**
